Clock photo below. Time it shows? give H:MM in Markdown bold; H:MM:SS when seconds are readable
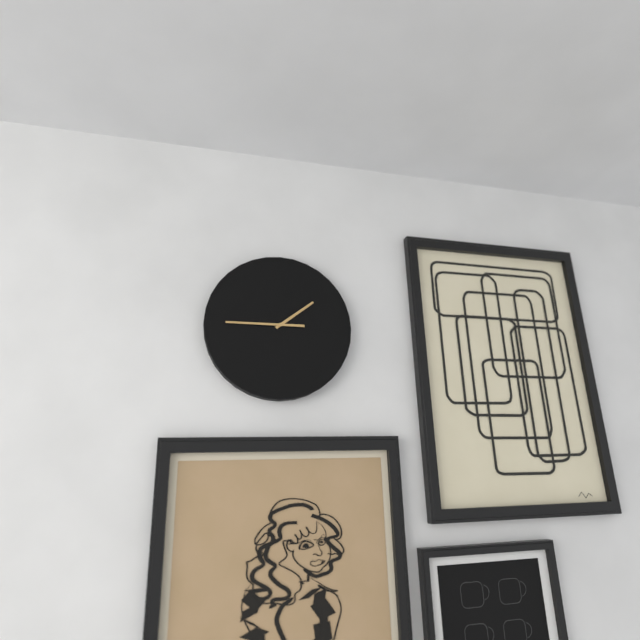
**1:45**
